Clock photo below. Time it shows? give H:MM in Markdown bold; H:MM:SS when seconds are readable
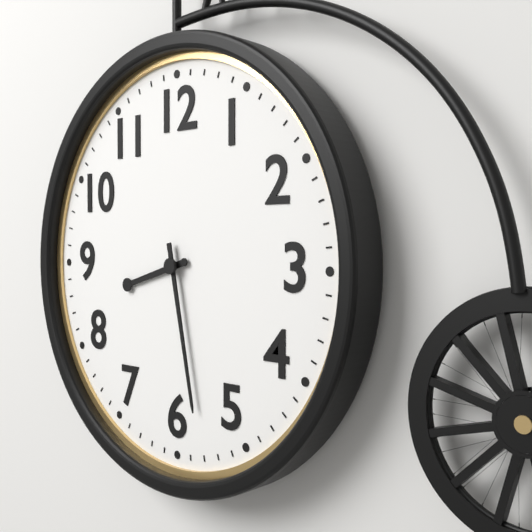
**8:28**
